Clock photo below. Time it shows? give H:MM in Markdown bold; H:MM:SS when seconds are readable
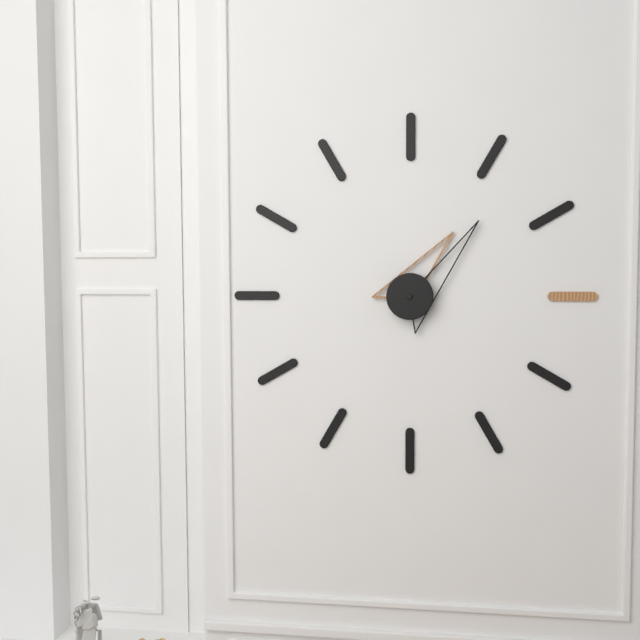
**1:07**
